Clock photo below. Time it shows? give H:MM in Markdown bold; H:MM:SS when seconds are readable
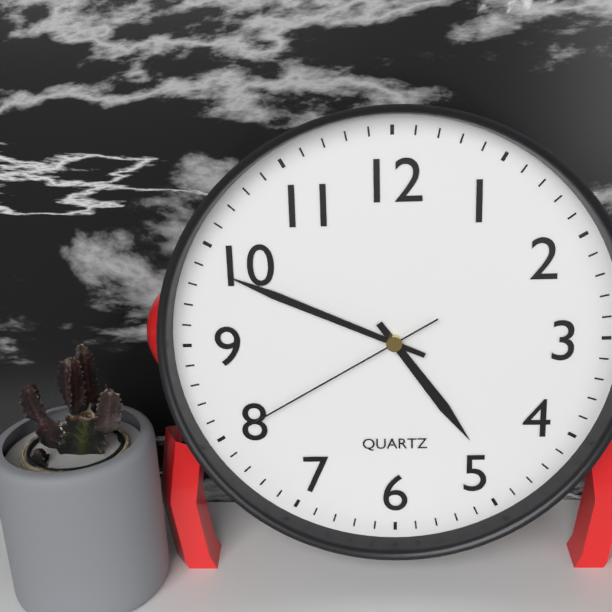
**4:49:40**
